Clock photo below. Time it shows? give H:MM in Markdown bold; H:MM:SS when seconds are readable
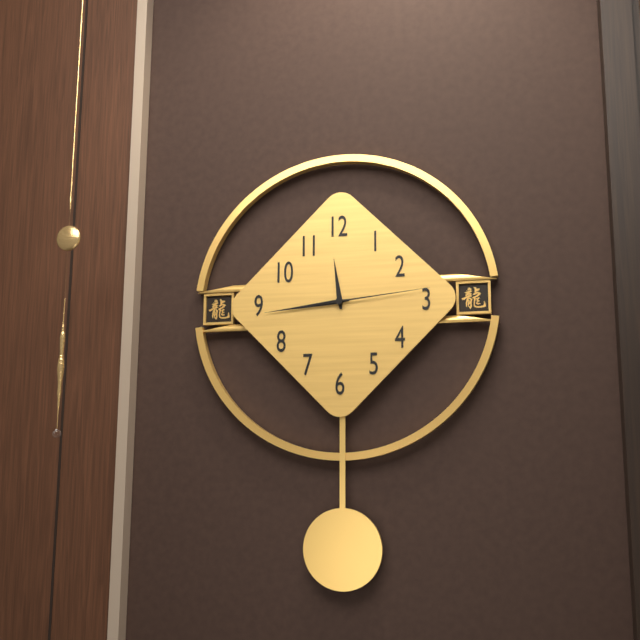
**11:44:14**
